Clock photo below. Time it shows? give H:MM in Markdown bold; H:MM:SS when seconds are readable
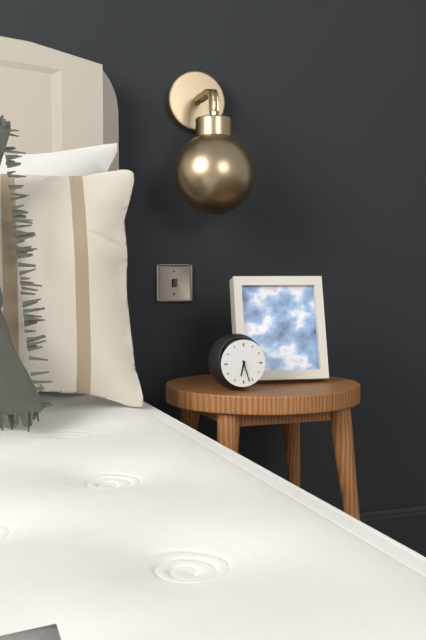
**6:27**
